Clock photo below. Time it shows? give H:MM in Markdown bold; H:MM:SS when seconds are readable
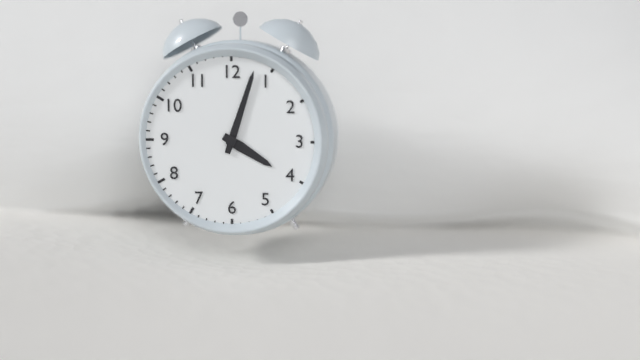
**4:03**
